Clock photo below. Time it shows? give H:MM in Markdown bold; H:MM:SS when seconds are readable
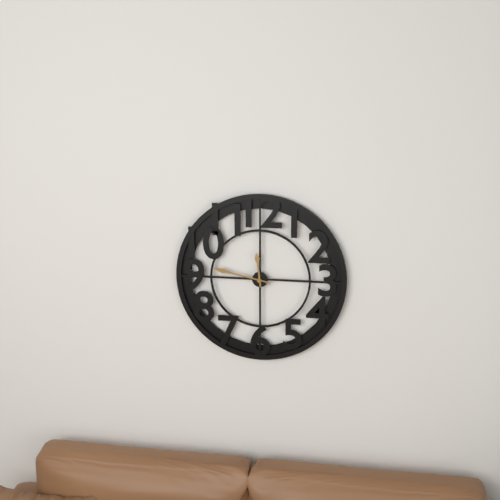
**11:47**
